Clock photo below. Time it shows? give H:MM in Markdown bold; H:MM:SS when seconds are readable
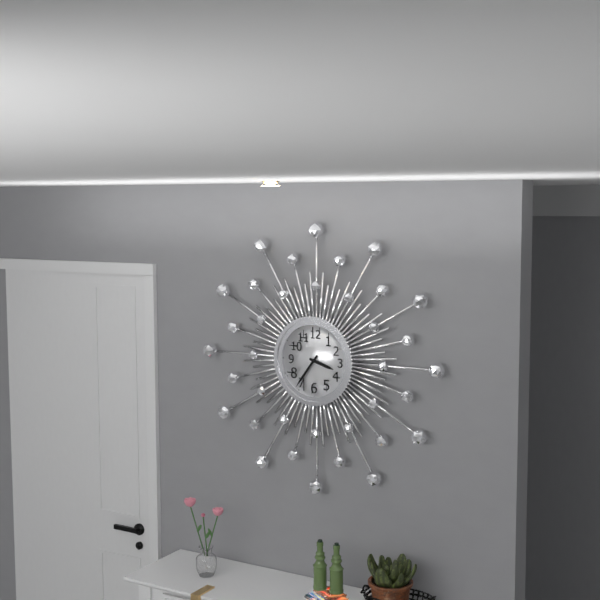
**3:36**
